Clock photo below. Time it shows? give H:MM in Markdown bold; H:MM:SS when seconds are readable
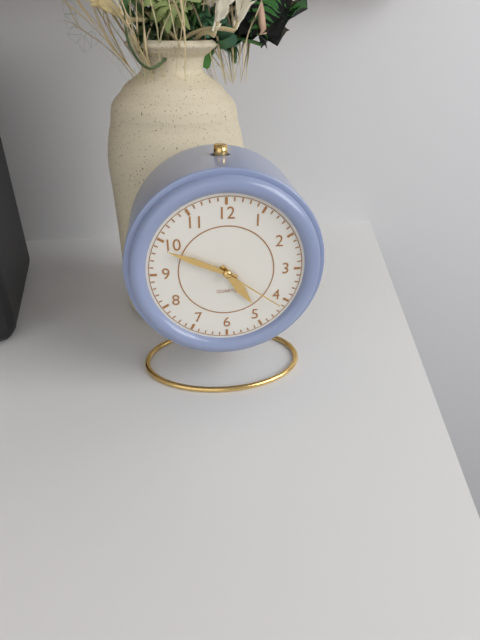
**4:49:21**
